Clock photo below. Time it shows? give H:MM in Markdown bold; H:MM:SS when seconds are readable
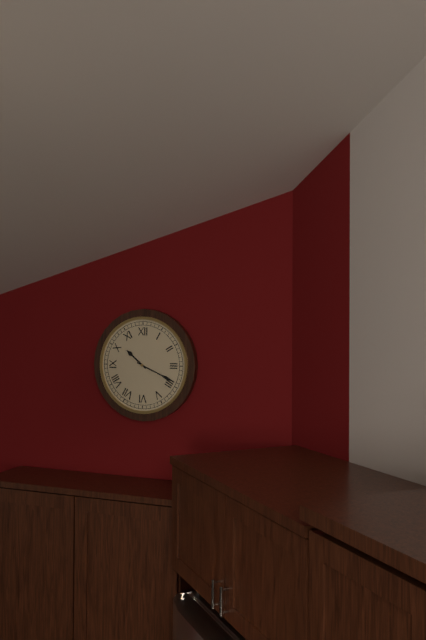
**10:19**
